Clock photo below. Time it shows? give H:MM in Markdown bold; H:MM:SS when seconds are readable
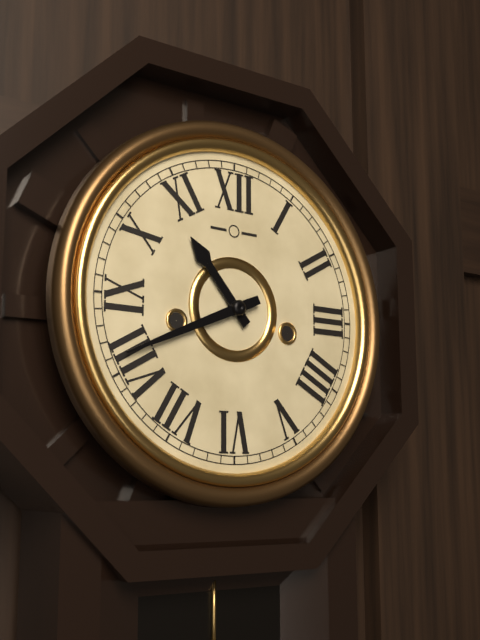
**10:41**
